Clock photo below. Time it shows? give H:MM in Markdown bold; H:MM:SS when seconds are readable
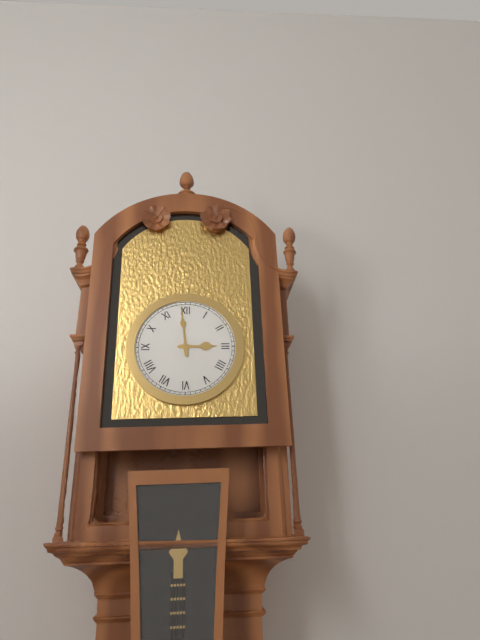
**2:59**
